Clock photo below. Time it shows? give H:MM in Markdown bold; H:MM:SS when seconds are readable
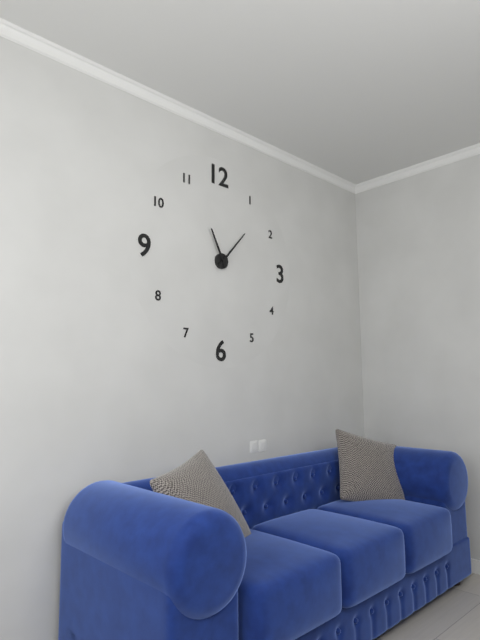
**11:07**
